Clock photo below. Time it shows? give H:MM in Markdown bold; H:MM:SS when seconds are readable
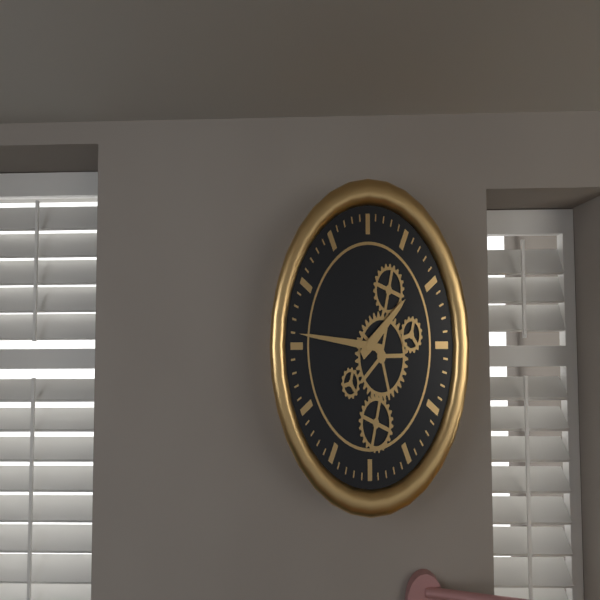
**1:46**
